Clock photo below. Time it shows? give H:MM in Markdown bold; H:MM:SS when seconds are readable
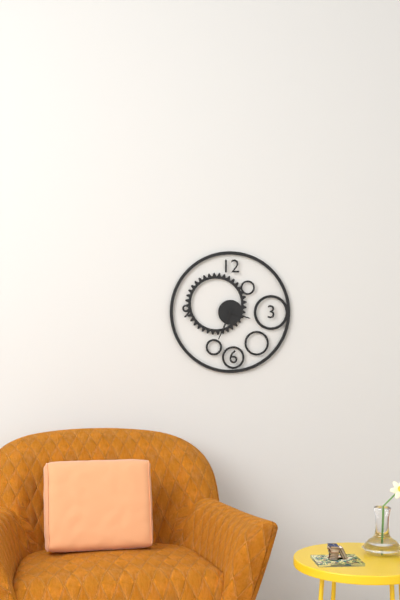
**3:34**
